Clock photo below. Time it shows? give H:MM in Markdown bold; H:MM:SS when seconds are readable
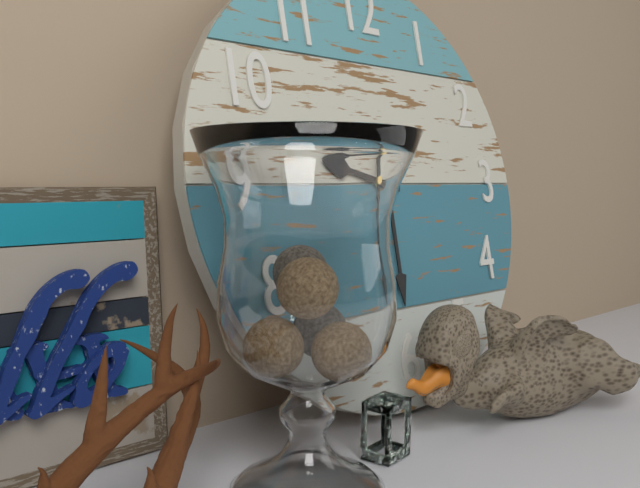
**9:30**
